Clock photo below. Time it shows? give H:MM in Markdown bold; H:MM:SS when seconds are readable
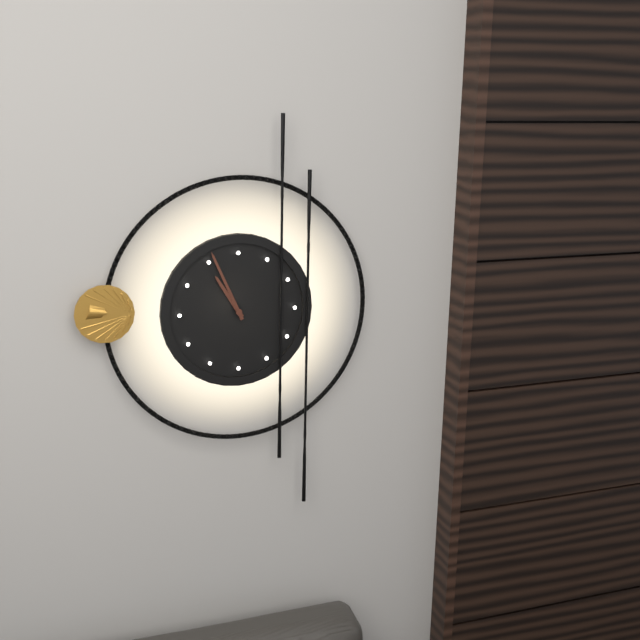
**10:56**
